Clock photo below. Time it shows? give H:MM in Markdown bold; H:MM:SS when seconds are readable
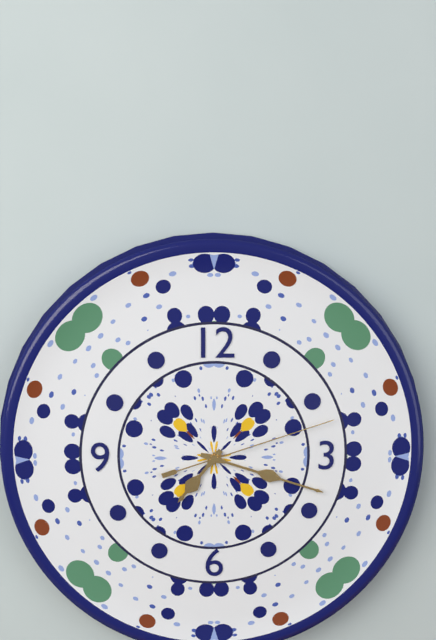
**7:18:12**
